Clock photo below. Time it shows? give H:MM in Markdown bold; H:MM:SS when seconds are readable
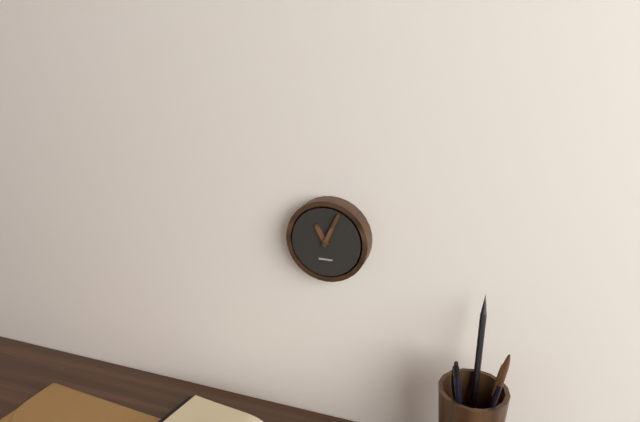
**11:04**
